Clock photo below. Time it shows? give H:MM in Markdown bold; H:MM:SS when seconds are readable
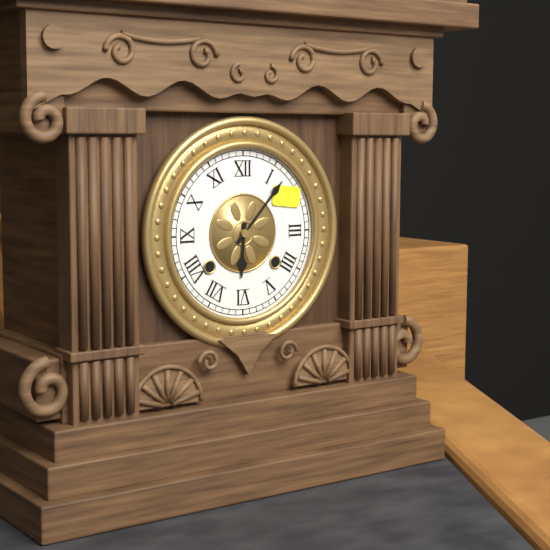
**6:07**
